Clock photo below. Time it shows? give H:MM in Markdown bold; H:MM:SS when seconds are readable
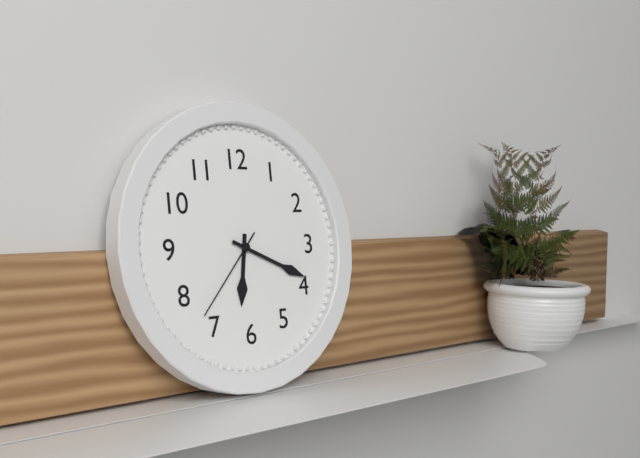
**6:19:37**
